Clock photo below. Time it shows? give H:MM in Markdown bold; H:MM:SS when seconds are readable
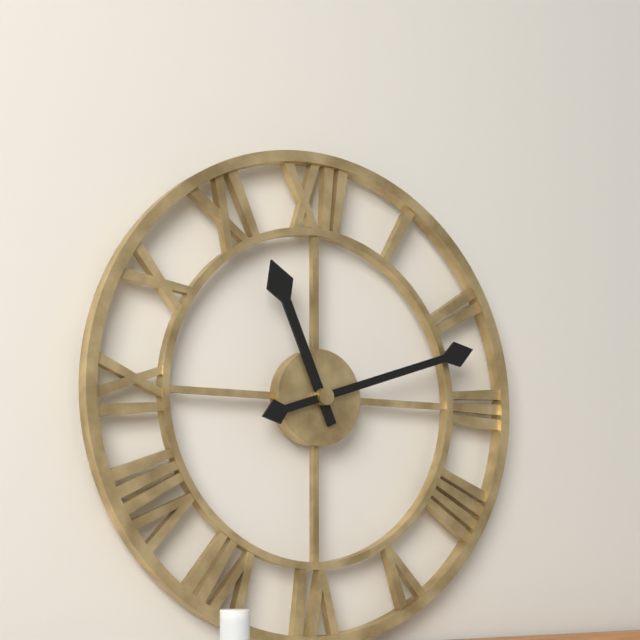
**11:12**
